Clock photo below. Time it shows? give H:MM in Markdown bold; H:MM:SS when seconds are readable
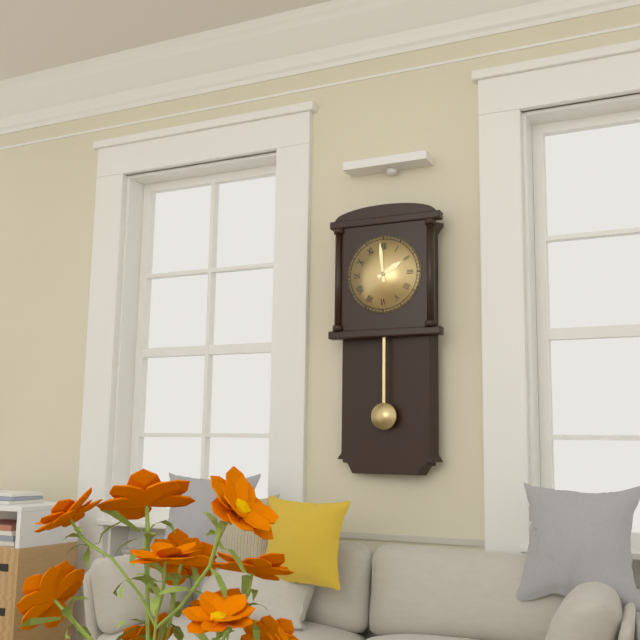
**1:59**
